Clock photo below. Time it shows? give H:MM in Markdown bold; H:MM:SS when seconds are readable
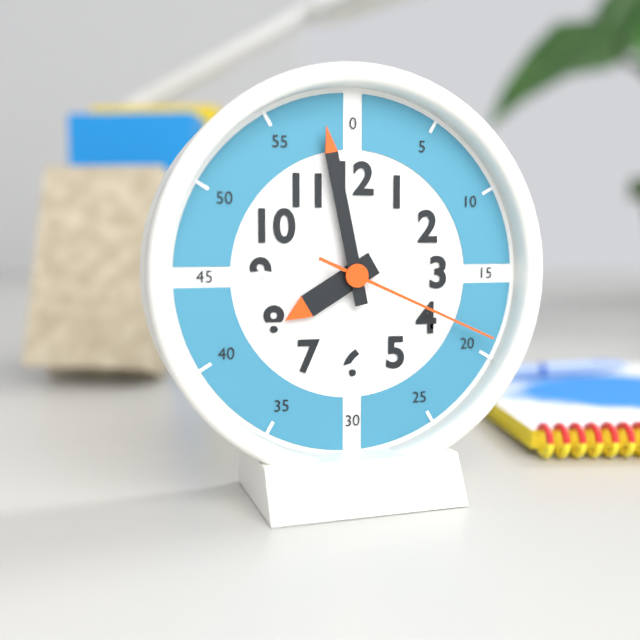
**7:58:19**
